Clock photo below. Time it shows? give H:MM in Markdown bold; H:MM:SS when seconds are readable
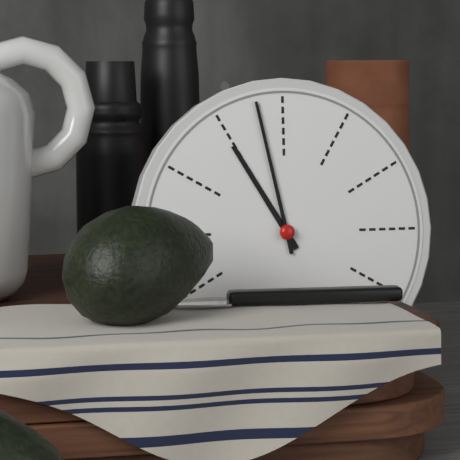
**10:58**
